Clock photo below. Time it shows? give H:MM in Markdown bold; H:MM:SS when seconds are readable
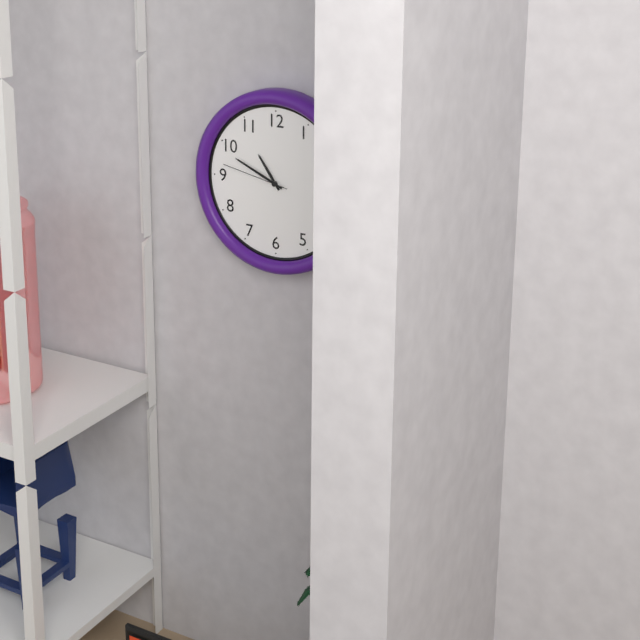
**10:49:47**
